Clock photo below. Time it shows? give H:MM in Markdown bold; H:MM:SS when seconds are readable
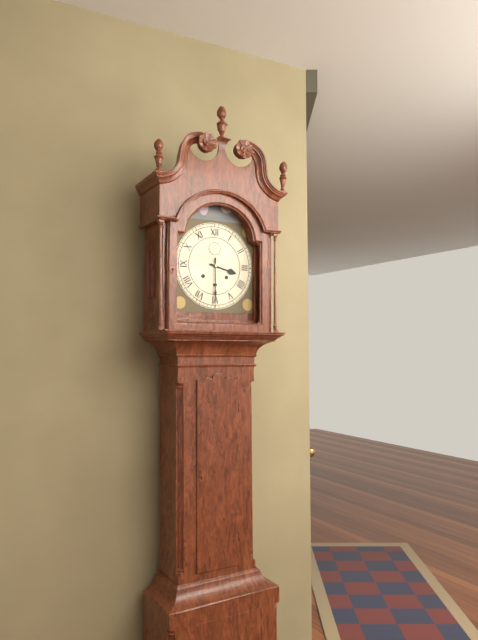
**3:30**
